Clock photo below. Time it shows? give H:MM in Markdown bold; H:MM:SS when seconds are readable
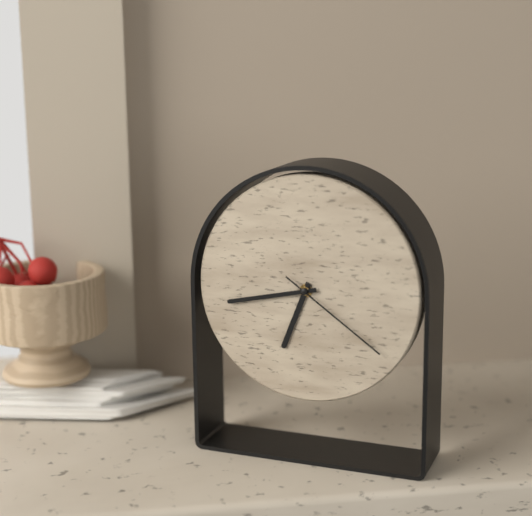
**6:43:21**
